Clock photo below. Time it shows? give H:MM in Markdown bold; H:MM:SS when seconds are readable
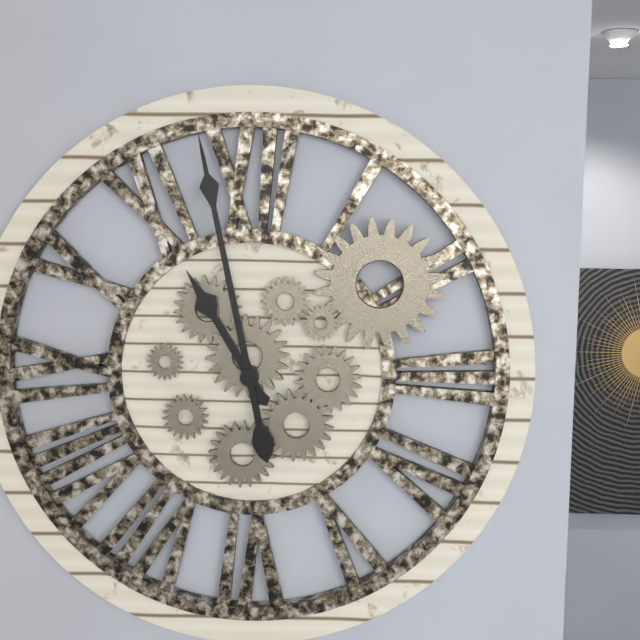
**10:58**
